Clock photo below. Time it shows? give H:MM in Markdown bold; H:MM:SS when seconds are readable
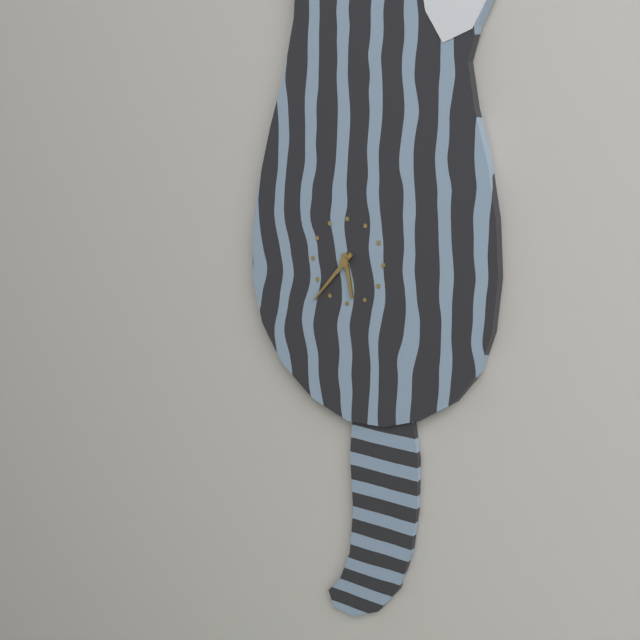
**5:37**
